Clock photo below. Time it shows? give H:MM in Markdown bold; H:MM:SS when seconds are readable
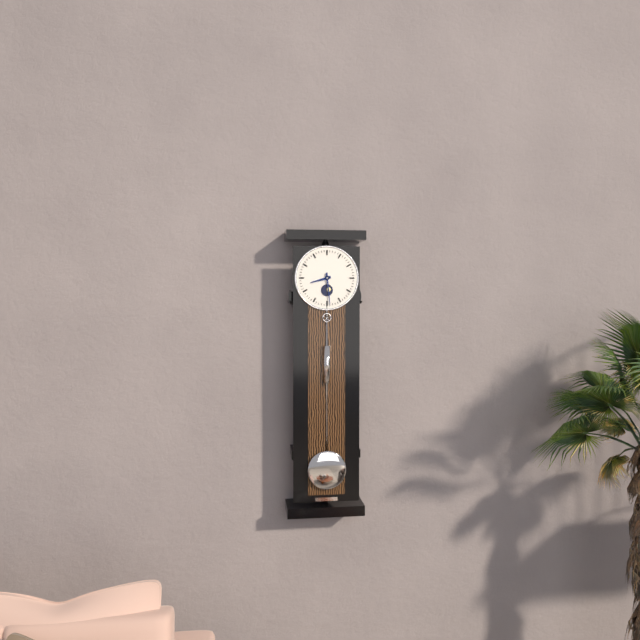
**8:29**
